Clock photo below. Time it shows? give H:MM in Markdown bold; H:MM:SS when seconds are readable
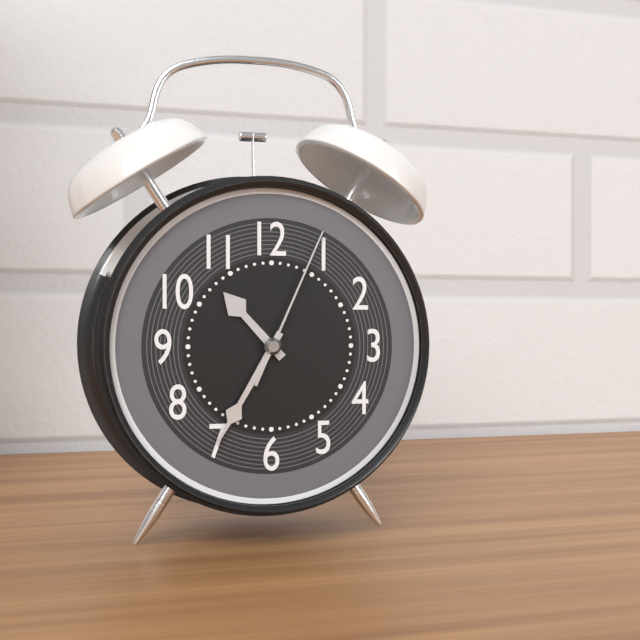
**10:35:04**
